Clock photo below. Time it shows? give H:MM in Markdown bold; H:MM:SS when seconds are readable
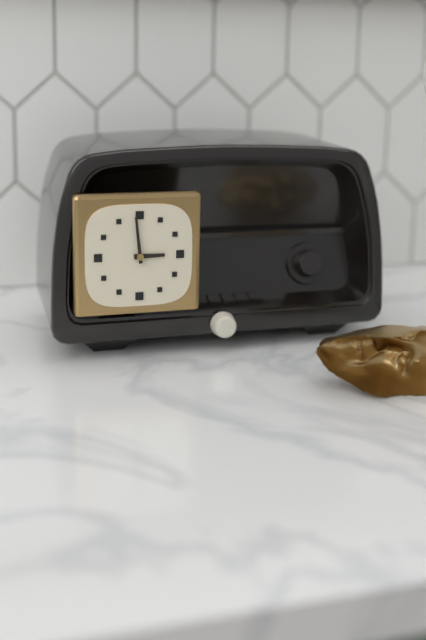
**2:59**
